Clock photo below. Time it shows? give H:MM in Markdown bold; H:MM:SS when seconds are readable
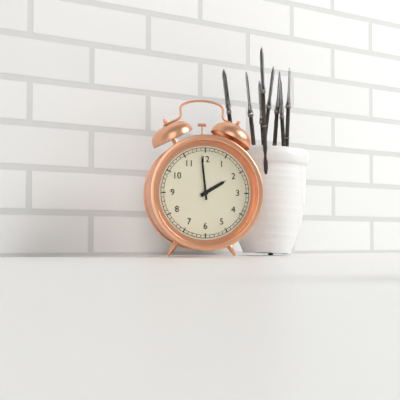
**1:59**
